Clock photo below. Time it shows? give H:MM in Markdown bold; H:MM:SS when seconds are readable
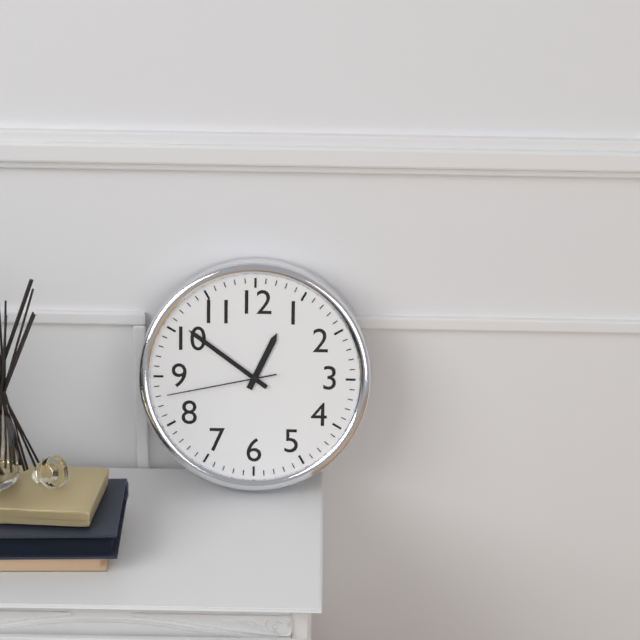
**12:51:43**
